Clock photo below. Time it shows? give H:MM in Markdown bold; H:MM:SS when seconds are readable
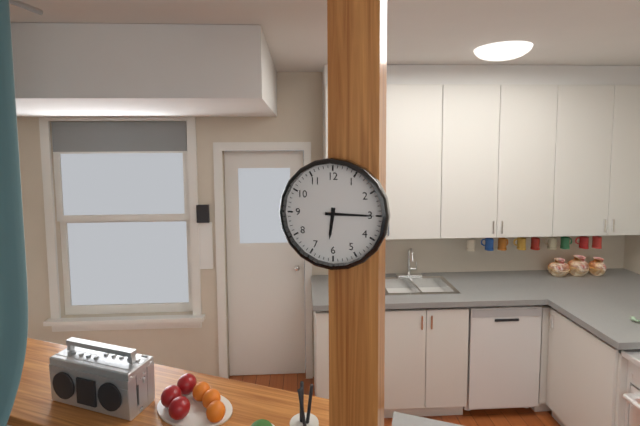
**6:15**
